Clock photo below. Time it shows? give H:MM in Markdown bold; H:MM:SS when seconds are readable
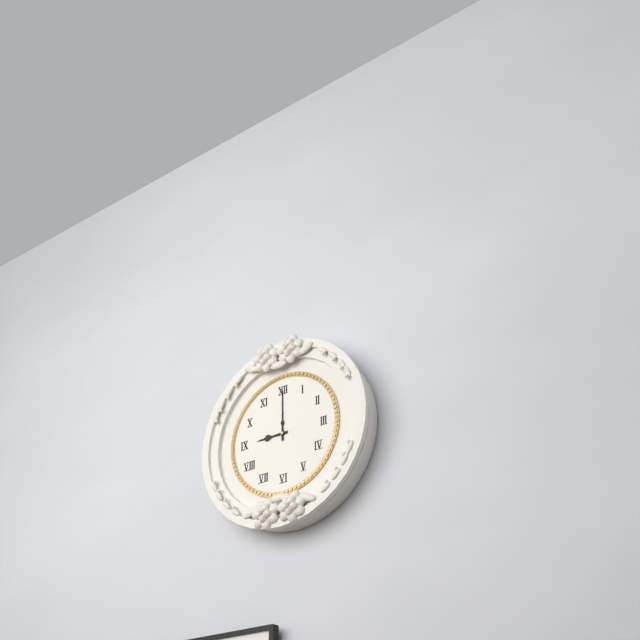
**9:00**
